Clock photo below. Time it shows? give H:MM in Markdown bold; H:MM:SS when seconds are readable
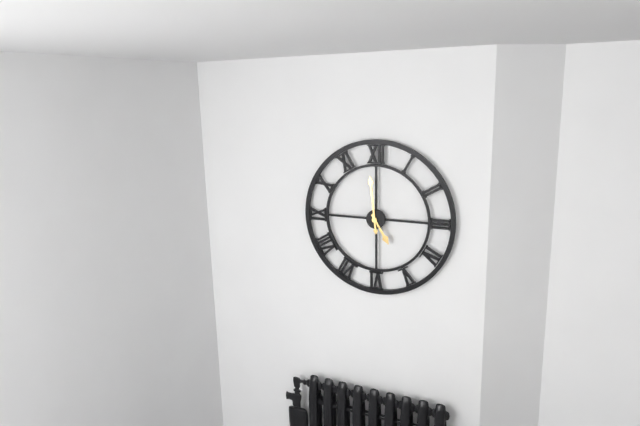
**4:59**
